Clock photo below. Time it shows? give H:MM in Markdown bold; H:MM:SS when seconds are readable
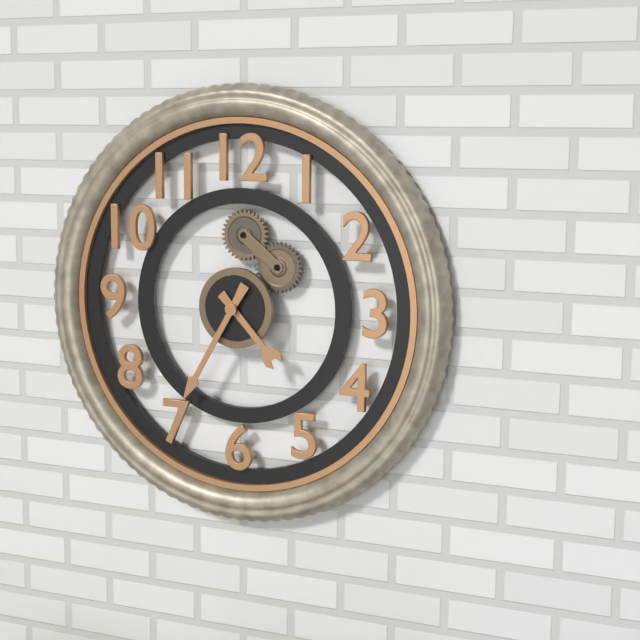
**4:35**
